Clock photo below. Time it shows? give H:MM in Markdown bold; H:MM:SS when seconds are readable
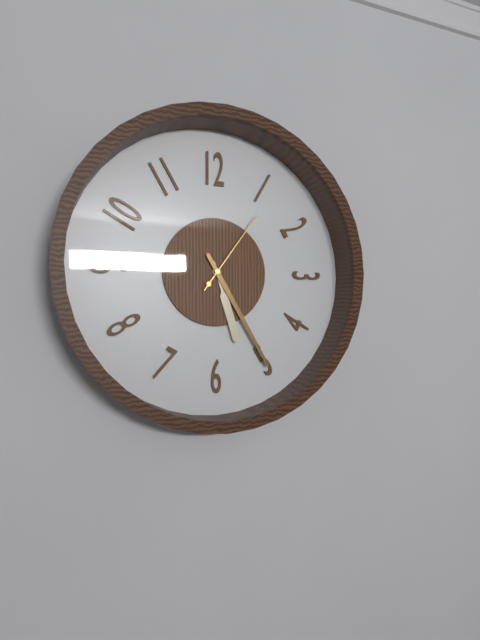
**5:25:06**
